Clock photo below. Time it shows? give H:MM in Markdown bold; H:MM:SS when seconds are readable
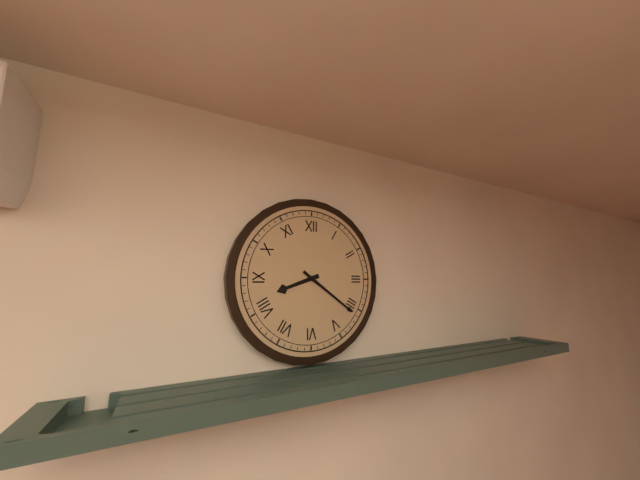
**8:21**
